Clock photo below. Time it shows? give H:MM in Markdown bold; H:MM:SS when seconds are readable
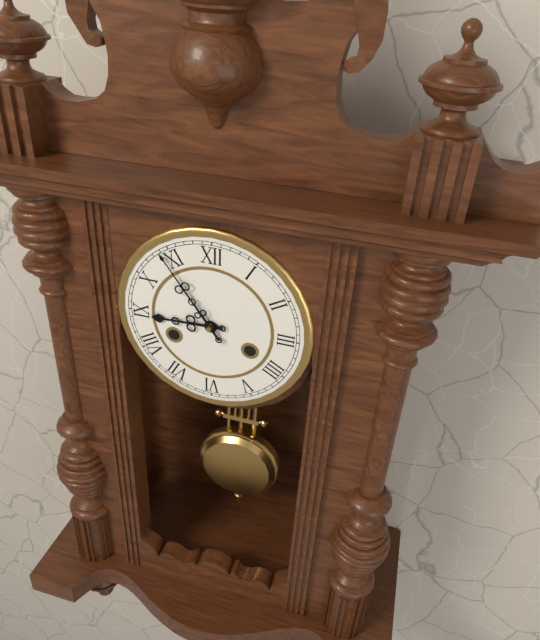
**8:54**
